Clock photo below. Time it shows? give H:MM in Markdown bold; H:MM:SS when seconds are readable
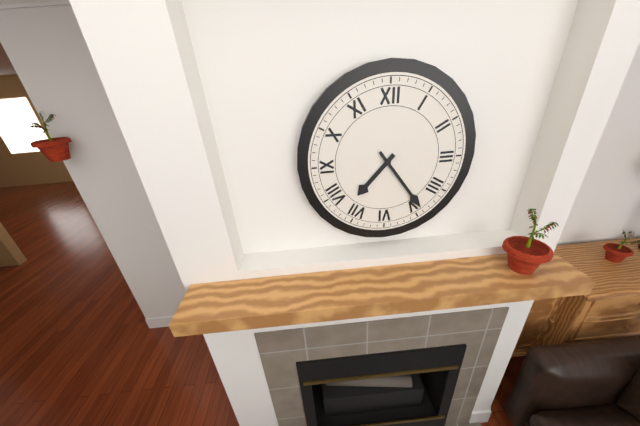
**7:24**
